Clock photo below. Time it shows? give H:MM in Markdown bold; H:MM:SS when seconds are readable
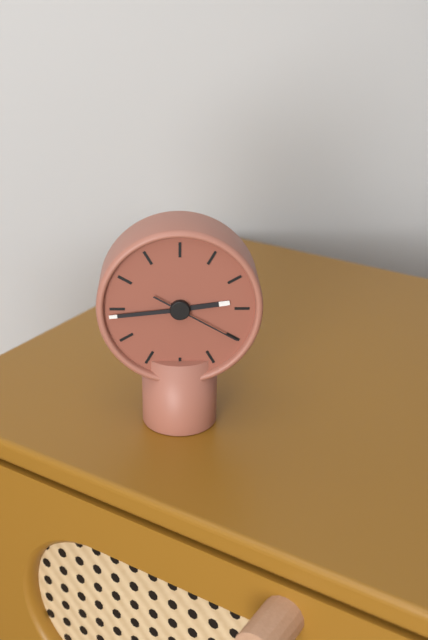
**2:44:20**
